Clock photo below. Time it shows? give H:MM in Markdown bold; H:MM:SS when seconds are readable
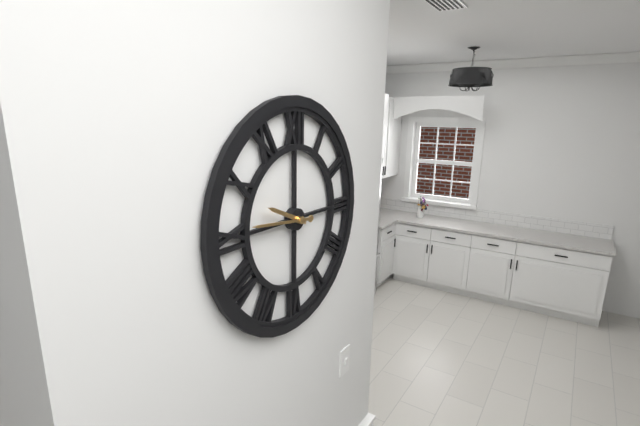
**9:46**
